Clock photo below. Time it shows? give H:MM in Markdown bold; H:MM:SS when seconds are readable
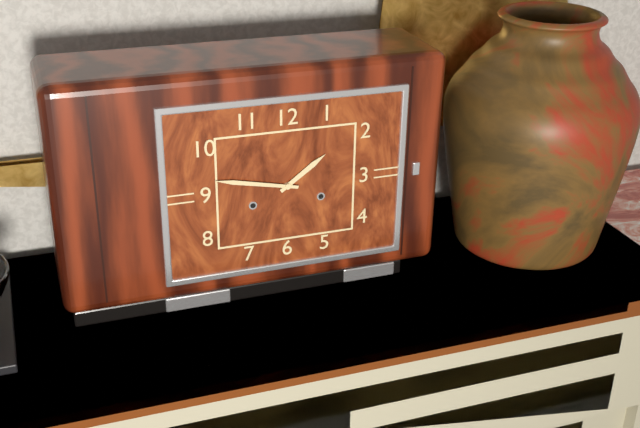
**1:47**
